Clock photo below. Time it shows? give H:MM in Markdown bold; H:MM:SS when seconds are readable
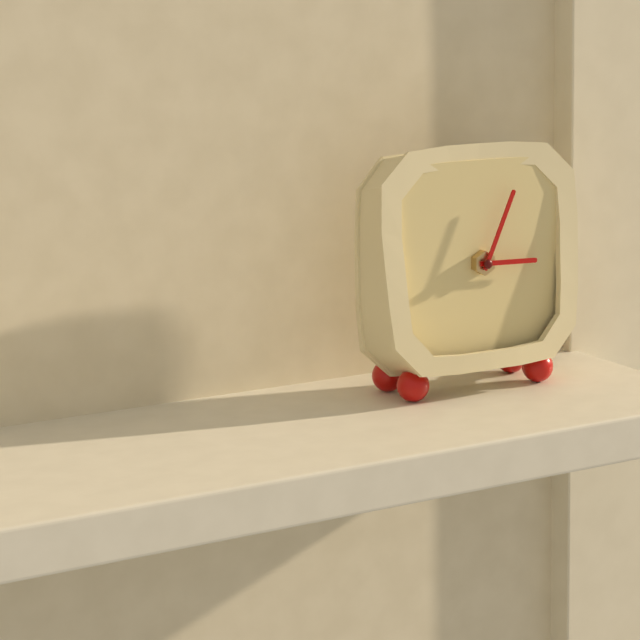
**3:04**
